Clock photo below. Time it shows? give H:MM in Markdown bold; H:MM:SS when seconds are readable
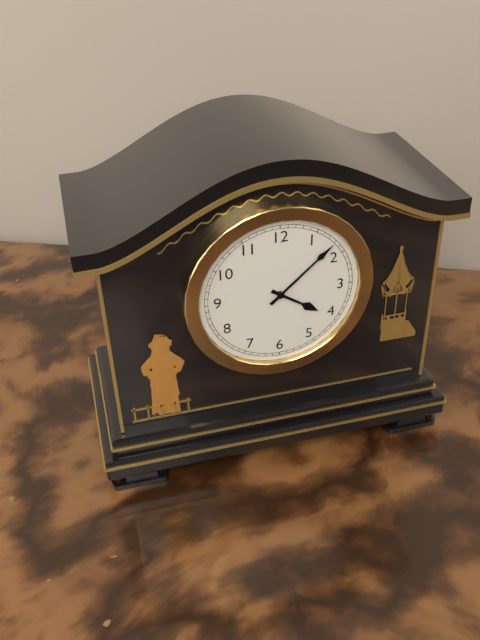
**4:08**
